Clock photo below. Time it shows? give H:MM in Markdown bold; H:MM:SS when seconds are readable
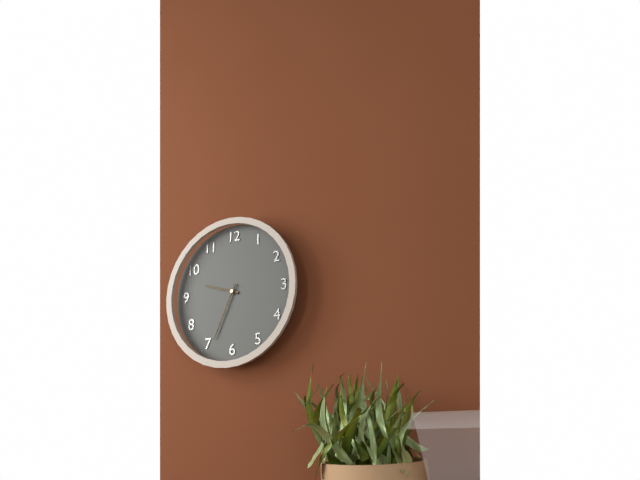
**9:34**
